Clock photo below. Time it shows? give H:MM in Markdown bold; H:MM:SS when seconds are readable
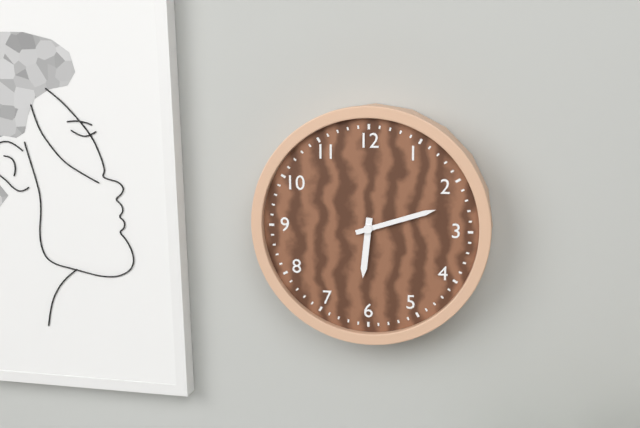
**6:12**
